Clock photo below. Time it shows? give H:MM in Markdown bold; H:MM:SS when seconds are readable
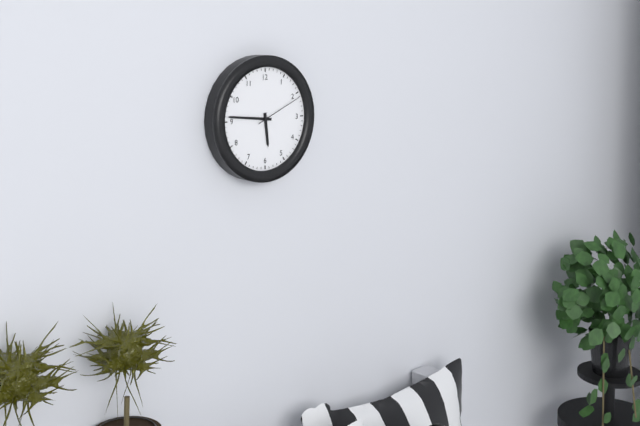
**5:46**
